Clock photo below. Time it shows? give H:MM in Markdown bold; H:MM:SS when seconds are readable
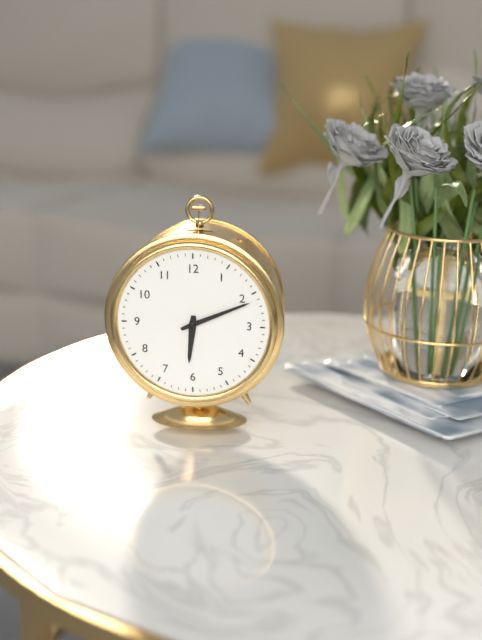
**6:11**
